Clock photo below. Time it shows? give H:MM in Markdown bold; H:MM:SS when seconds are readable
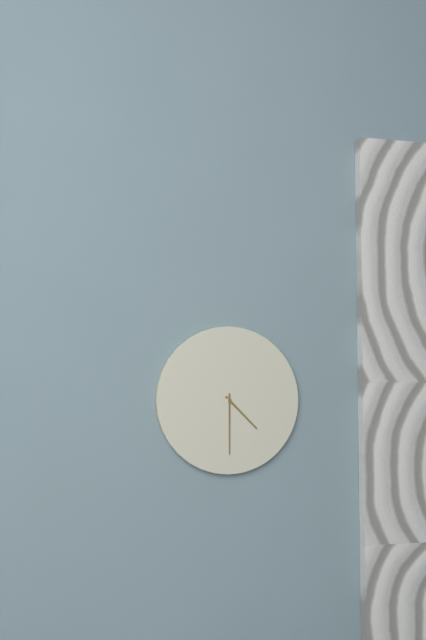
**4:30**
